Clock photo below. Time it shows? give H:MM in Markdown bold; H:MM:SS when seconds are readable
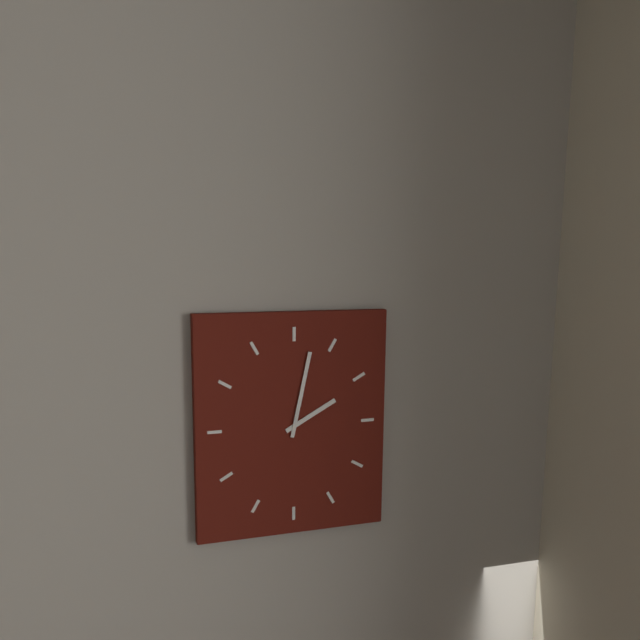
**2:02**
